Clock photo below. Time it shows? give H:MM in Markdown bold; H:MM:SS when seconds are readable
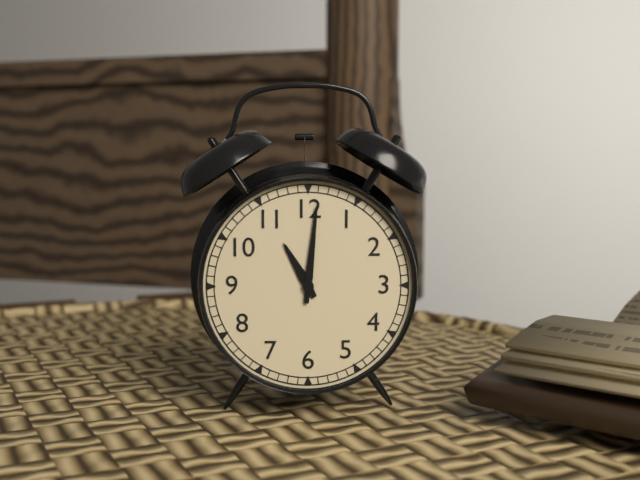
**11:01**
